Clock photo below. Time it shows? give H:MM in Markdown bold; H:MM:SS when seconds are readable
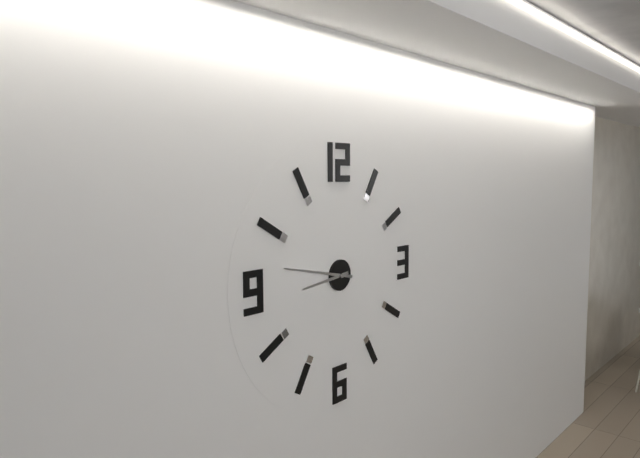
**8:47**
